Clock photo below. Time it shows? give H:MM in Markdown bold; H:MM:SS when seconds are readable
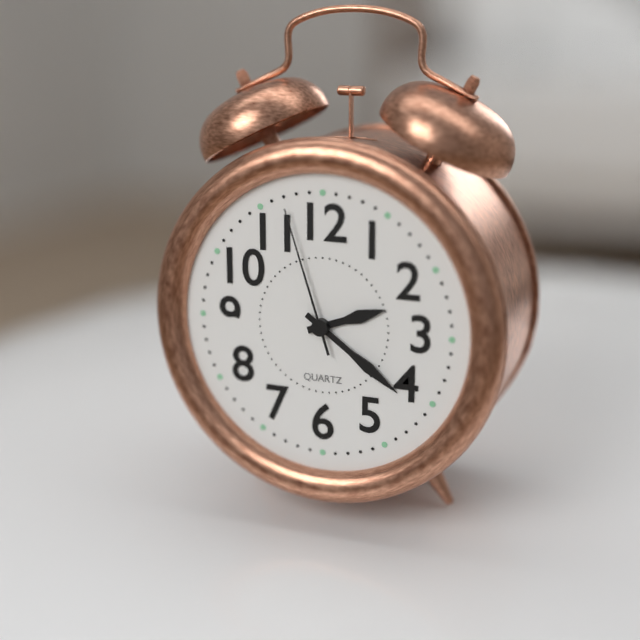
**2:21:57**
